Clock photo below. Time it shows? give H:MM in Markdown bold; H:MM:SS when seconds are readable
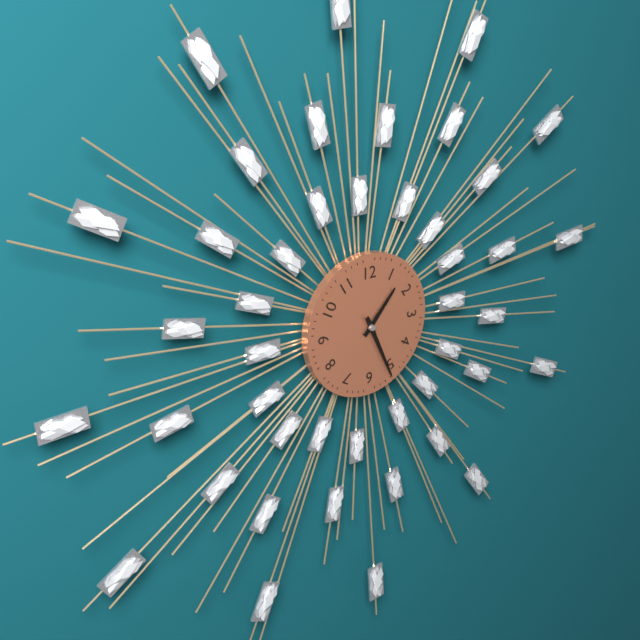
**1:26**
